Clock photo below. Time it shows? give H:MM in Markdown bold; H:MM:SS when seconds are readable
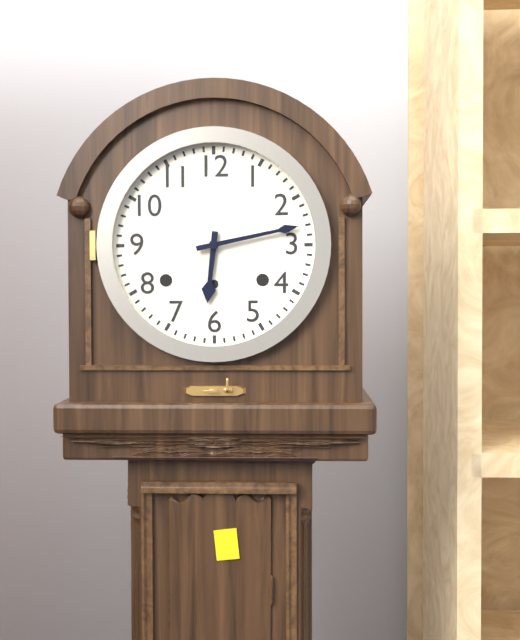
**6:13**
